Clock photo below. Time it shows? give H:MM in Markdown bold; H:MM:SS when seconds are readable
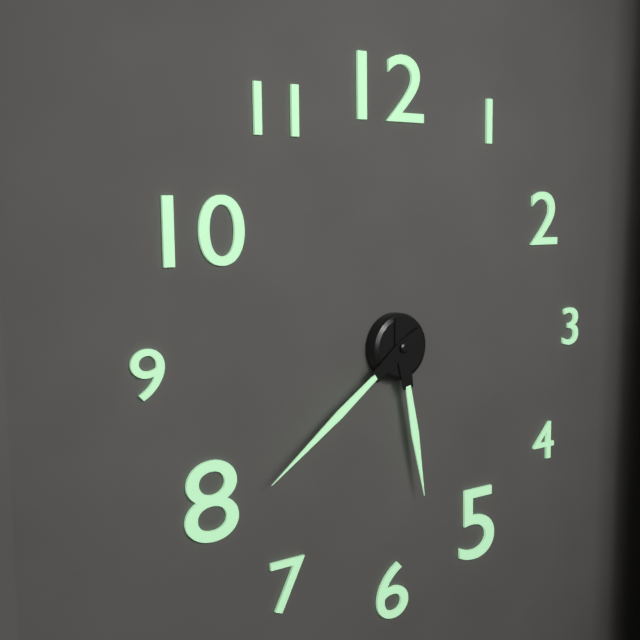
**5:39**
